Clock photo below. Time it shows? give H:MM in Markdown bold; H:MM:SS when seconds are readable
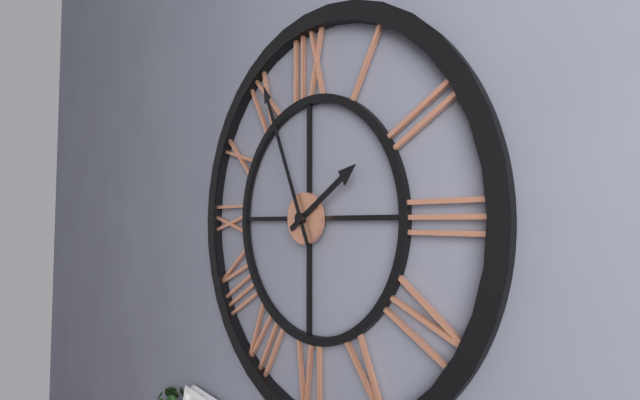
**1:56**
